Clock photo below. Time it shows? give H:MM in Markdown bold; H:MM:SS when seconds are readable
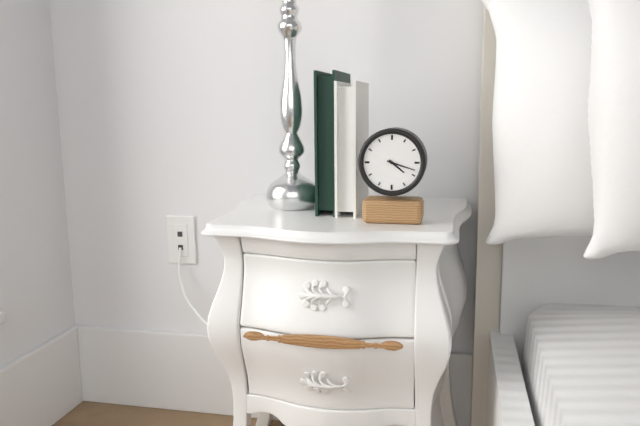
**4:18**
